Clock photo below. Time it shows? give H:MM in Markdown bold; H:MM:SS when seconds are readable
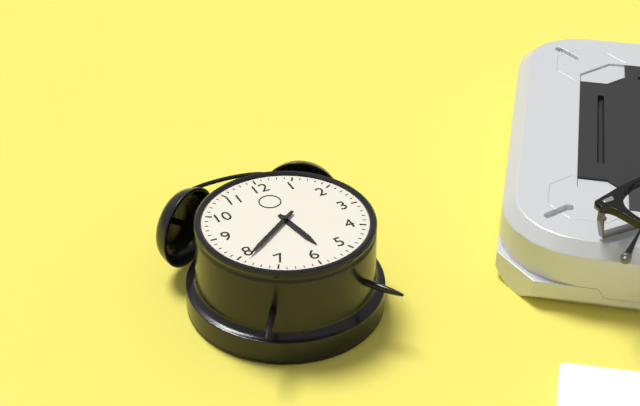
**5:39**
